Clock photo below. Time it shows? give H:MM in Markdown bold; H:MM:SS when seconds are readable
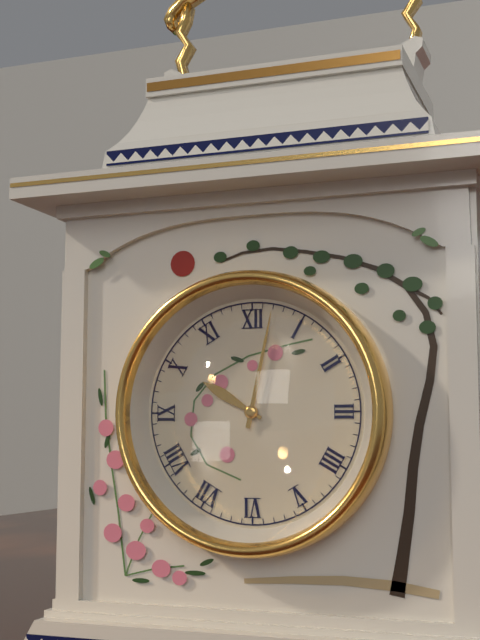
**10:02**
